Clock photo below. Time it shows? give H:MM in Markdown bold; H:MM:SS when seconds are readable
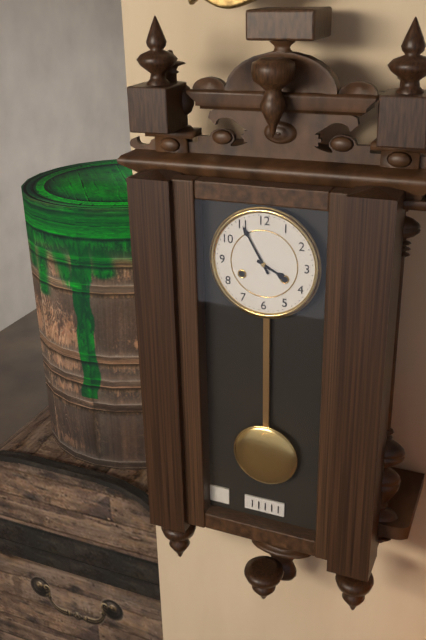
**3:55**
